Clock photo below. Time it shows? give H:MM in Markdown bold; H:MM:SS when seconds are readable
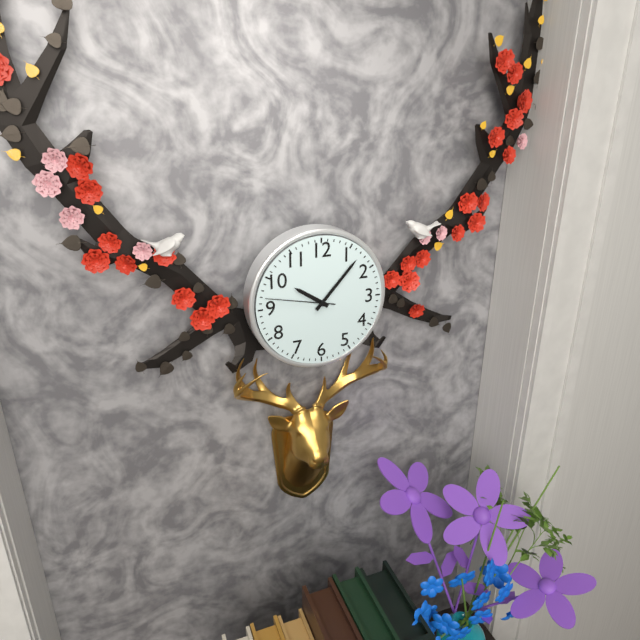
**10:07:47**
